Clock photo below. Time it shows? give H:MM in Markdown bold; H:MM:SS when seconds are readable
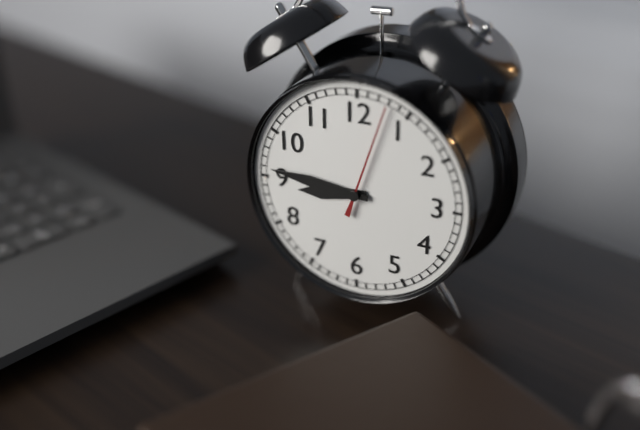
**8:46:03**
